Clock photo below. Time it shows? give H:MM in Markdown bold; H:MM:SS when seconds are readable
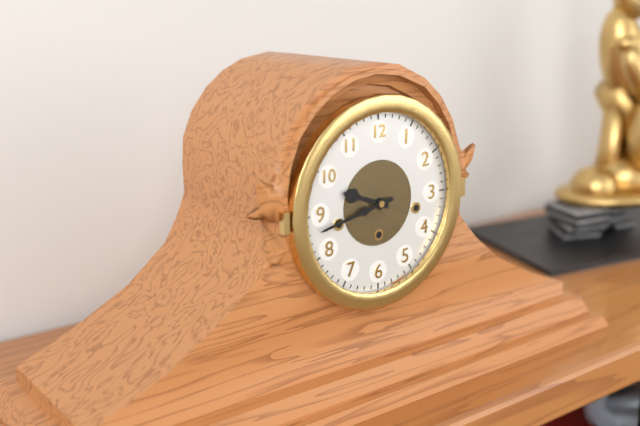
**9:43**
